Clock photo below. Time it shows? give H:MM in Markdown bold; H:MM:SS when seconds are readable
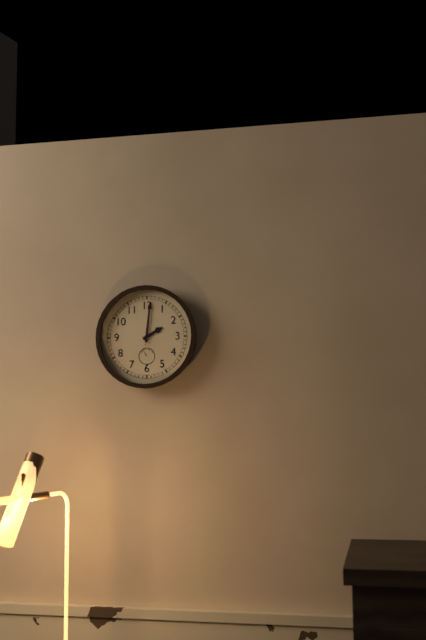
**2:01**
